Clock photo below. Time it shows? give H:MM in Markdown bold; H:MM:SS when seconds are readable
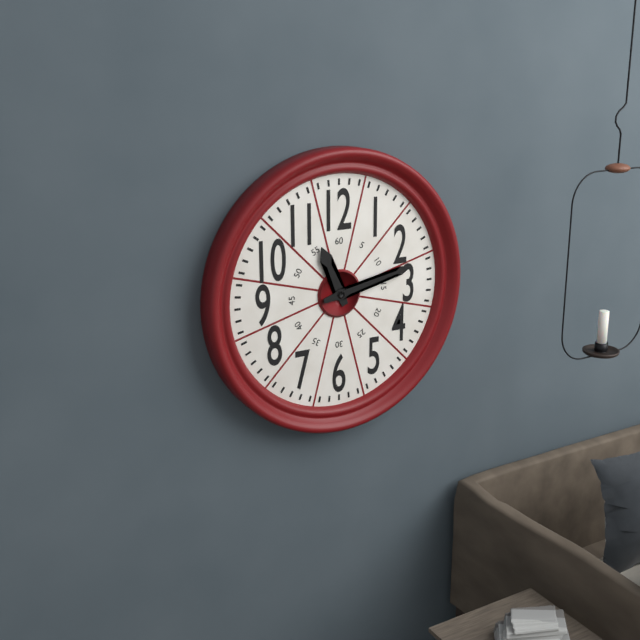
**11:13**
